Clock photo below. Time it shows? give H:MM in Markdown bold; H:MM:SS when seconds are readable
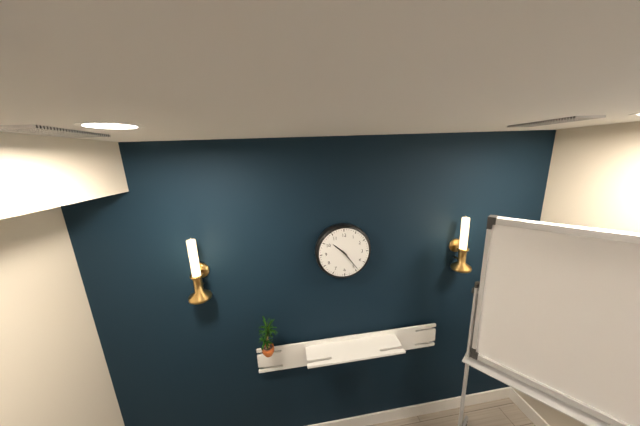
**10:24**
